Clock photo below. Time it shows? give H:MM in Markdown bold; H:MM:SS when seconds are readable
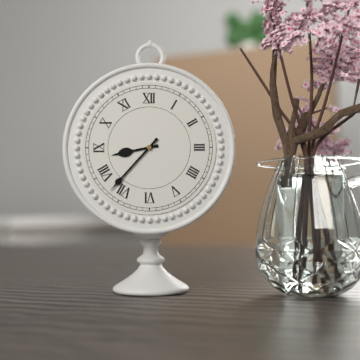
**8:37**
